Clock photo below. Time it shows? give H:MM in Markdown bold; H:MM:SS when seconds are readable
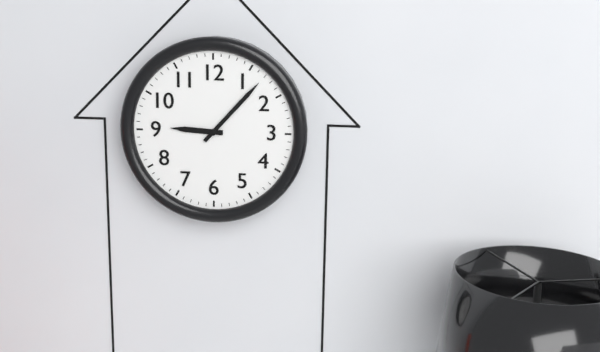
**9:07**
